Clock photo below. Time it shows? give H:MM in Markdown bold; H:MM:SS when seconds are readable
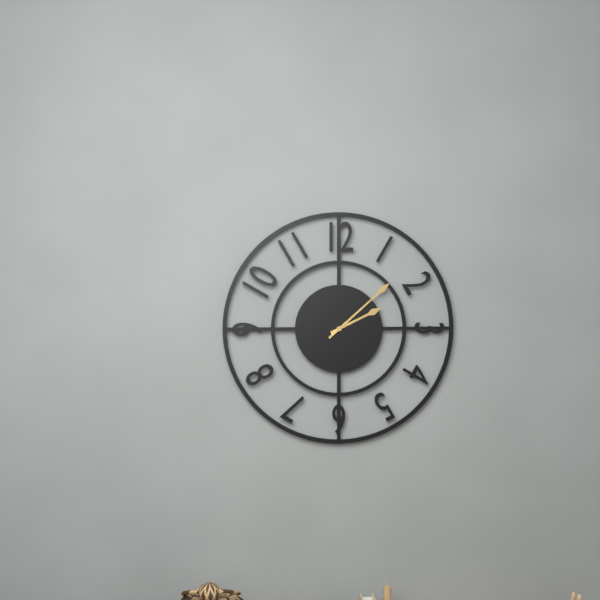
**2:08**
